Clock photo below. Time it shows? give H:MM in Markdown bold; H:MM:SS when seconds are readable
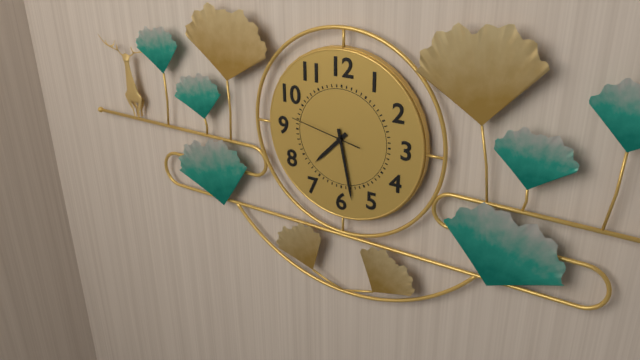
**7:28:47**
